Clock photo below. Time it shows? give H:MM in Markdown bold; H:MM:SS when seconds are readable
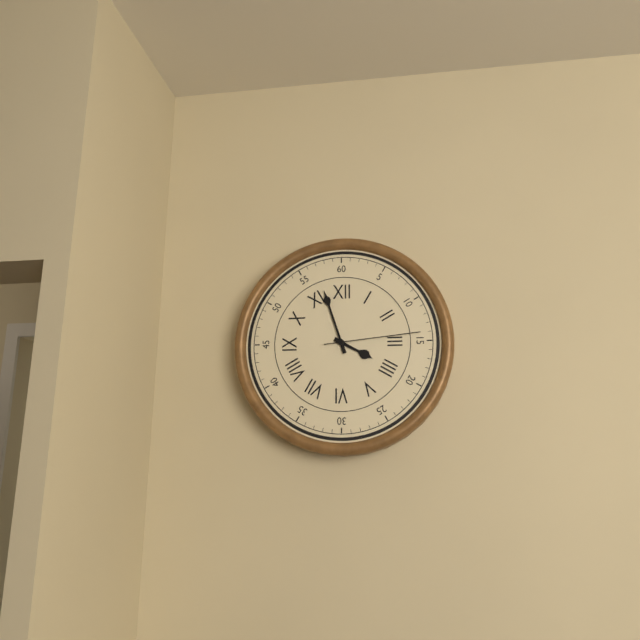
**3:57:14**
